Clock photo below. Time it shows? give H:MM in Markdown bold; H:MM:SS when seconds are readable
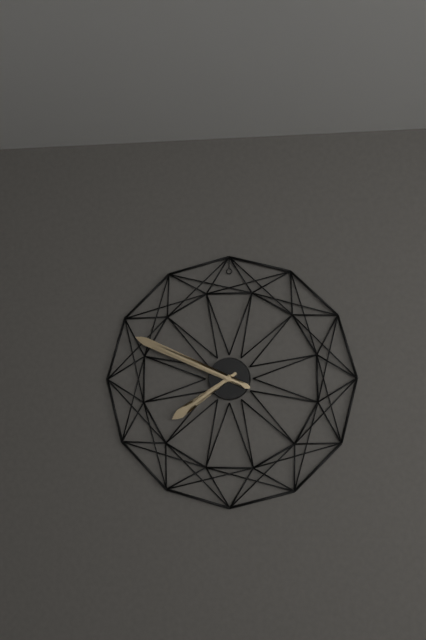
**7:49**
